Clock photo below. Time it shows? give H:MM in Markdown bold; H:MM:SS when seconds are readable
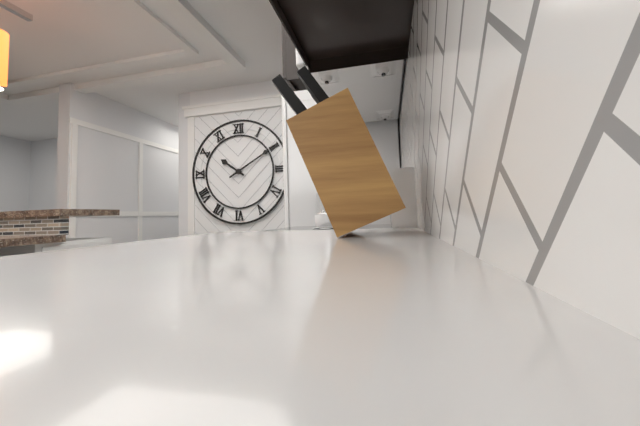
**10:10**
